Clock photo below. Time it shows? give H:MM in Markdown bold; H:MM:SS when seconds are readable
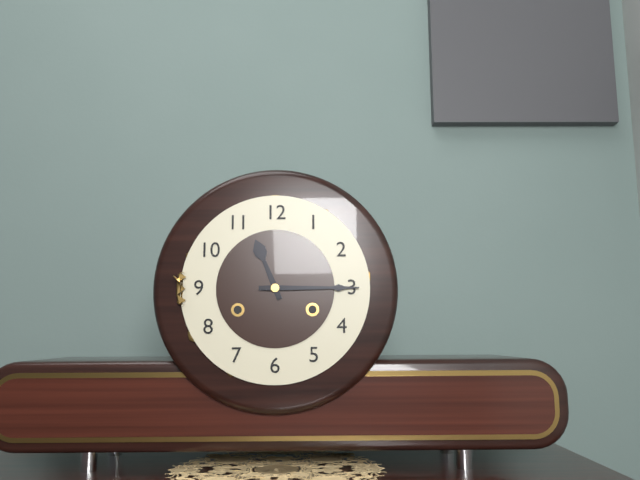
**11:15**
